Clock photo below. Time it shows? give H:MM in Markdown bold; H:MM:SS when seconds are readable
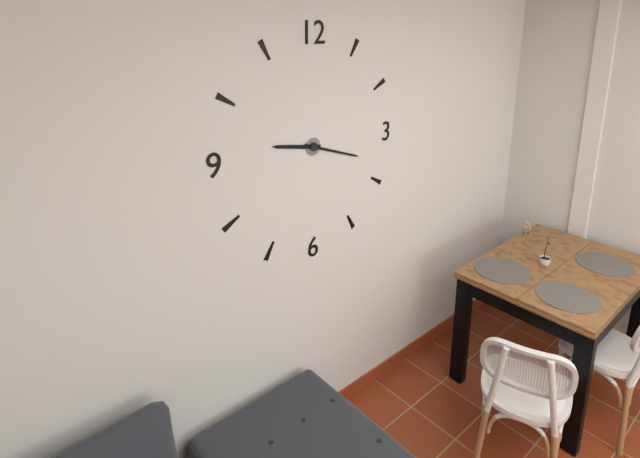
**9:18**
